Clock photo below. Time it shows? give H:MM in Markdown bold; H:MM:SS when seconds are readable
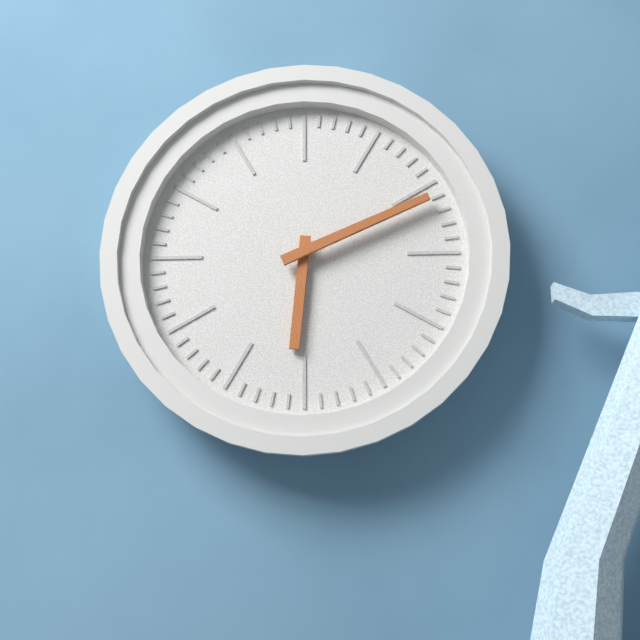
**6:11**
